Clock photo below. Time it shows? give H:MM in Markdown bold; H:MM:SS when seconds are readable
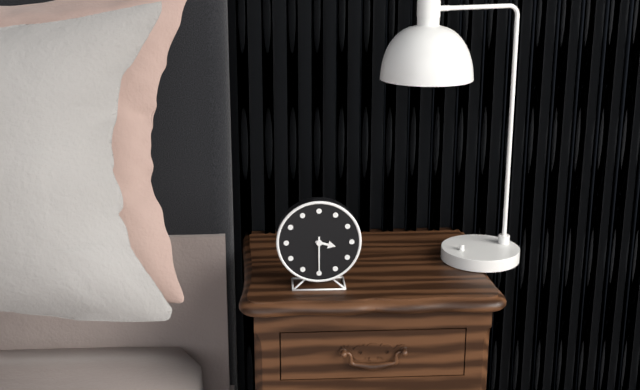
**3:30**
